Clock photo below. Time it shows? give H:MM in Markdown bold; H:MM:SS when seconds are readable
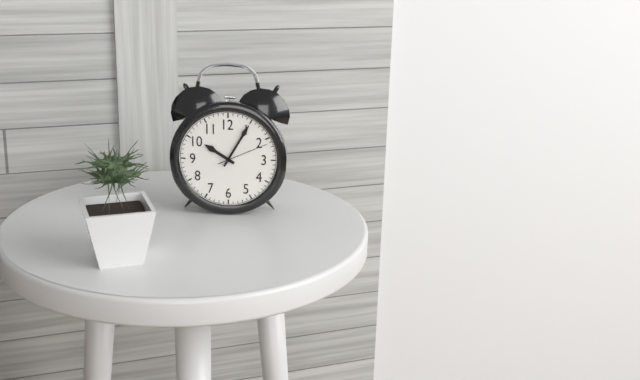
**10:05:11**
